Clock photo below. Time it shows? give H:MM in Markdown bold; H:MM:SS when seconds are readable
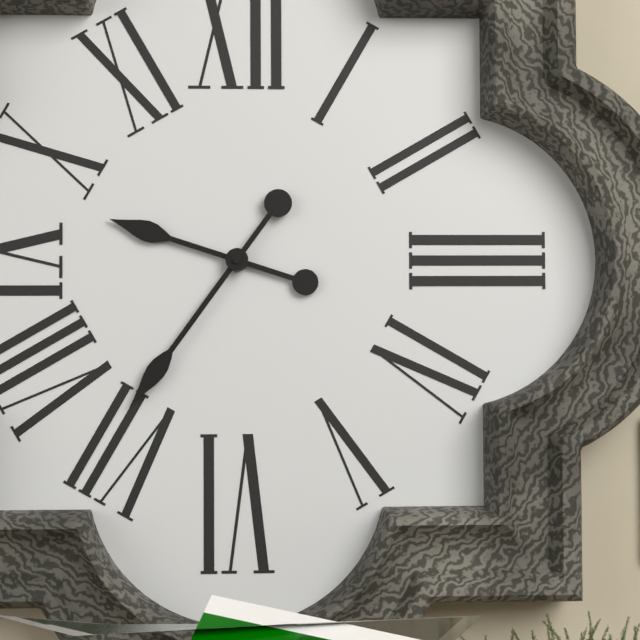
**9:36**
